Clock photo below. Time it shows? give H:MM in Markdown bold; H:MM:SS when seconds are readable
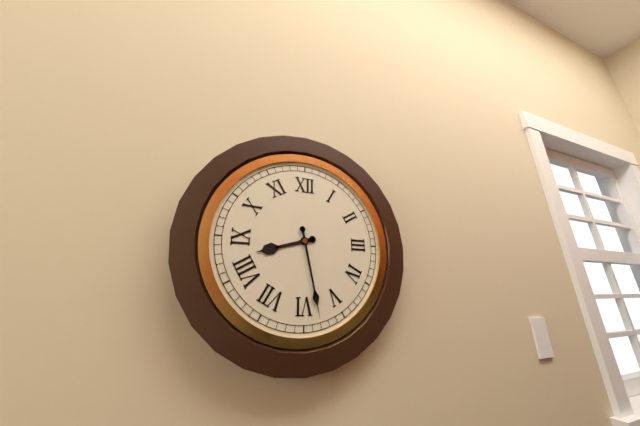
**8:28**
